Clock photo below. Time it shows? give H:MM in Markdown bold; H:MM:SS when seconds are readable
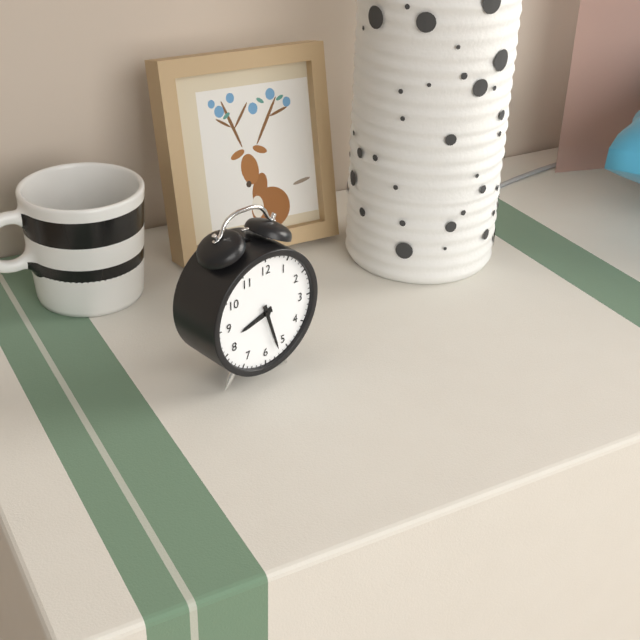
**8:27**
